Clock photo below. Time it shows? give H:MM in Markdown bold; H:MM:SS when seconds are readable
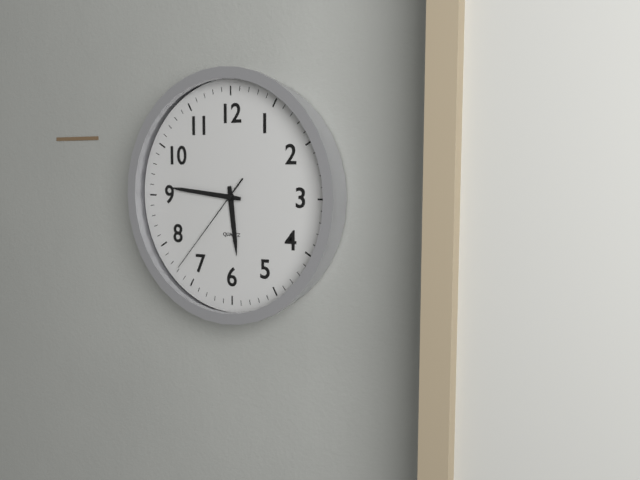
**5:46:37**
